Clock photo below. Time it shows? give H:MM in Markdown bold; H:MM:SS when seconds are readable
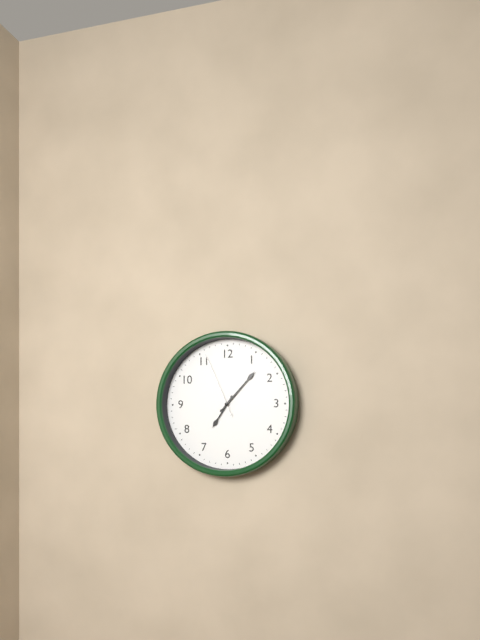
**7:07:56**
